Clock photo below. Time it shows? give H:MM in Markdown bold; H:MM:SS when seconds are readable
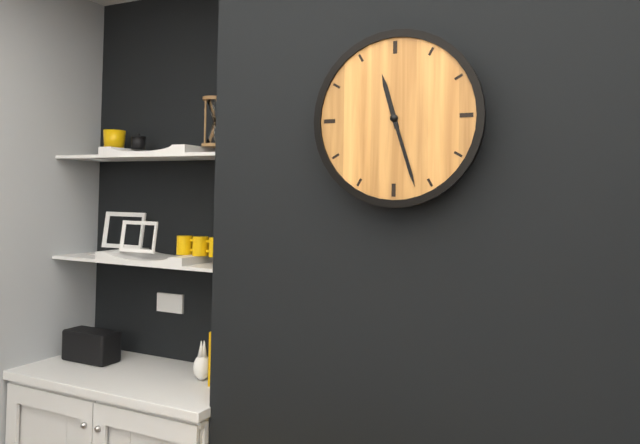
**11:27**
